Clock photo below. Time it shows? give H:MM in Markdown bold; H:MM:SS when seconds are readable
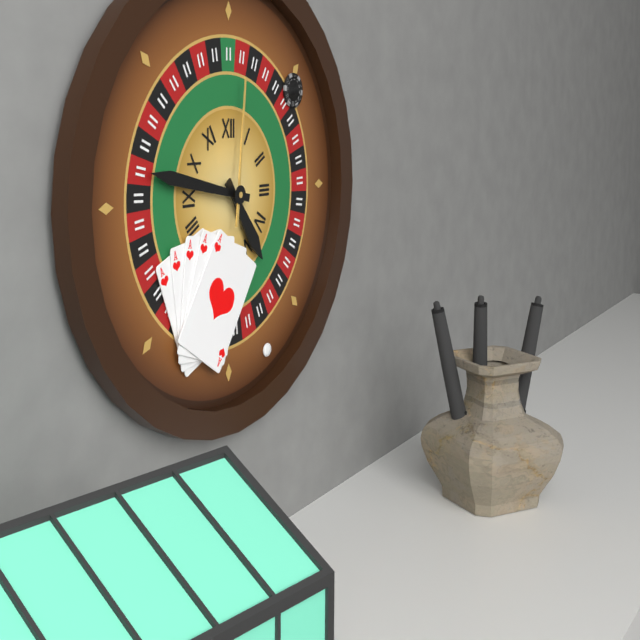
**4:47:01**
